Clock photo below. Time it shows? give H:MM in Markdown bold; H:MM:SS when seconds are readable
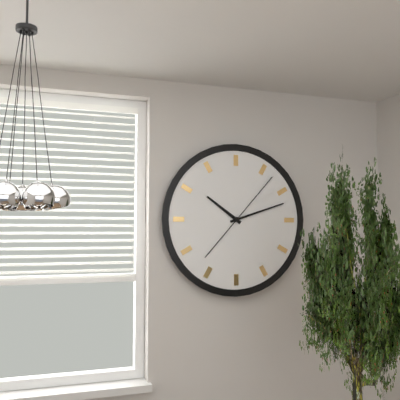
**10:12:07**
